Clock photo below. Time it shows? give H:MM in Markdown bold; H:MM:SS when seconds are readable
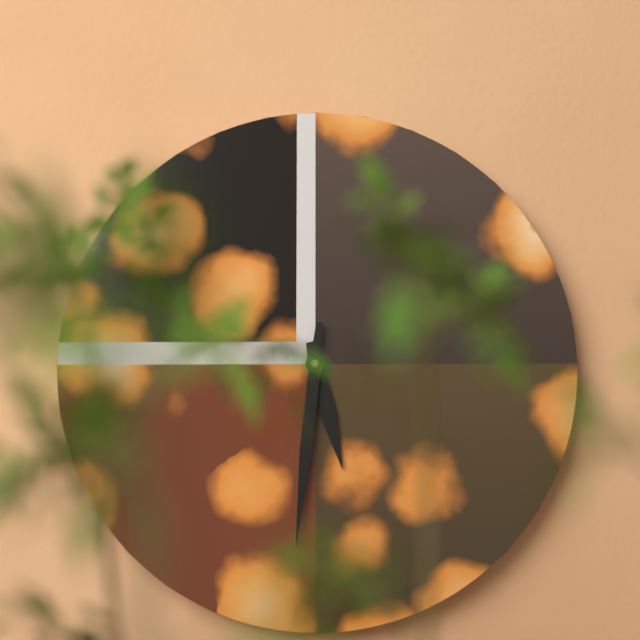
**5:31**
